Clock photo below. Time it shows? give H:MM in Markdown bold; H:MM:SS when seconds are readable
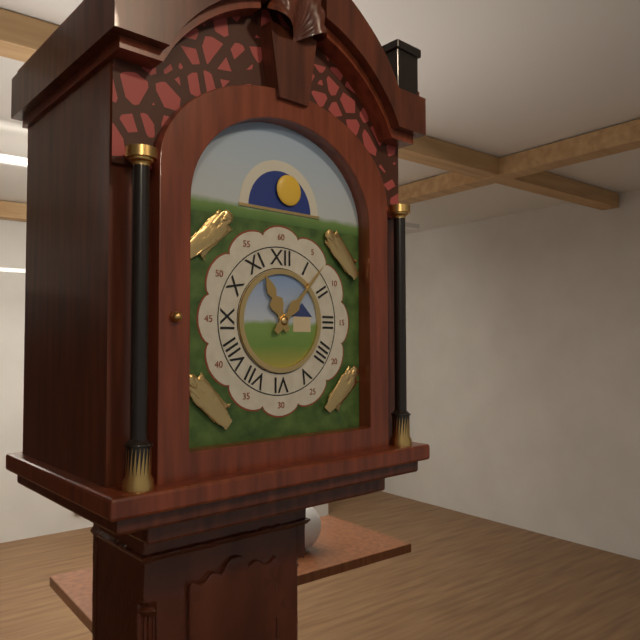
**11:07**
